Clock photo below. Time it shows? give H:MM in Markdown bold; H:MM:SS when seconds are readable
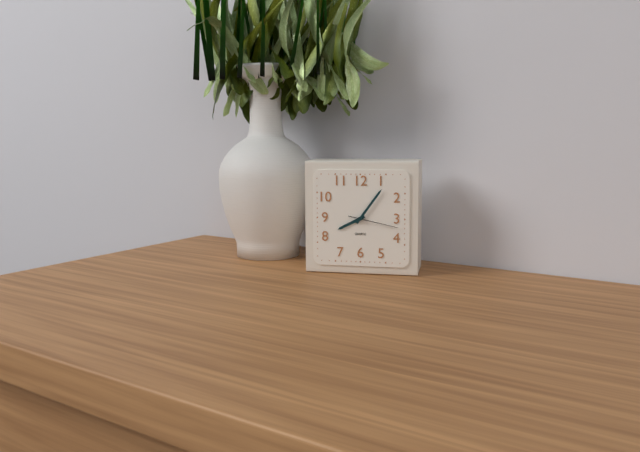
**8:06:17**
